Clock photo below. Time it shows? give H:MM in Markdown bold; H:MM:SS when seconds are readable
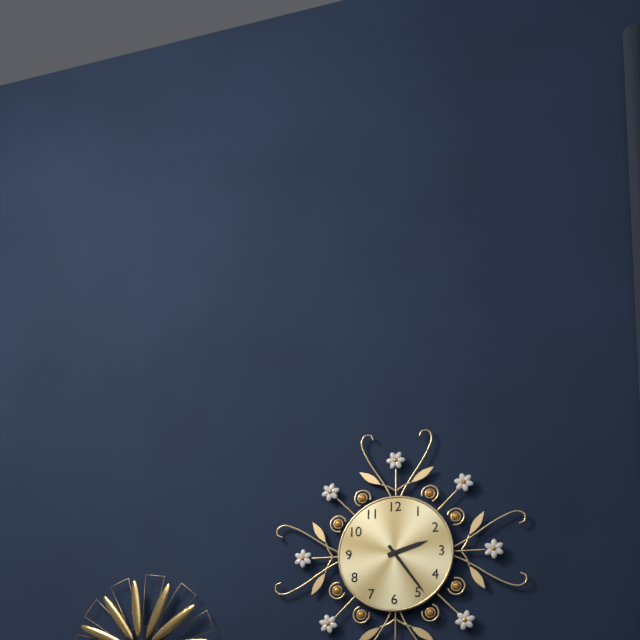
**2:24**
